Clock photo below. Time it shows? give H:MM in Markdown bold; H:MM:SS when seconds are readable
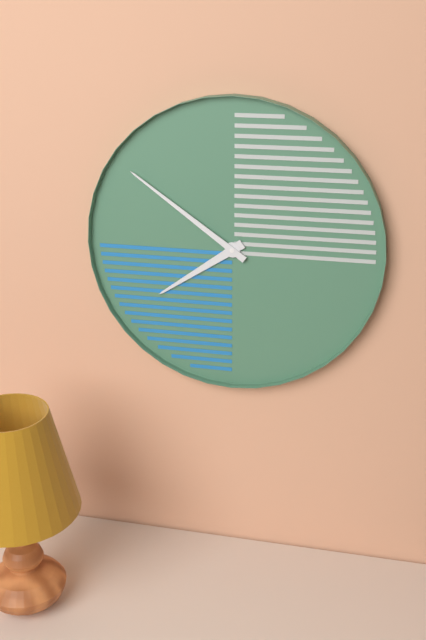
**7:51**
